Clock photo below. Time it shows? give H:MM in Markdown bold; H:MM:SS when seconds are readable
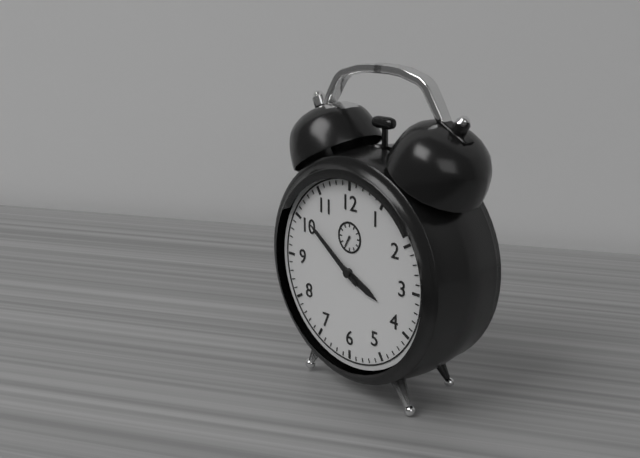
**3:51**
